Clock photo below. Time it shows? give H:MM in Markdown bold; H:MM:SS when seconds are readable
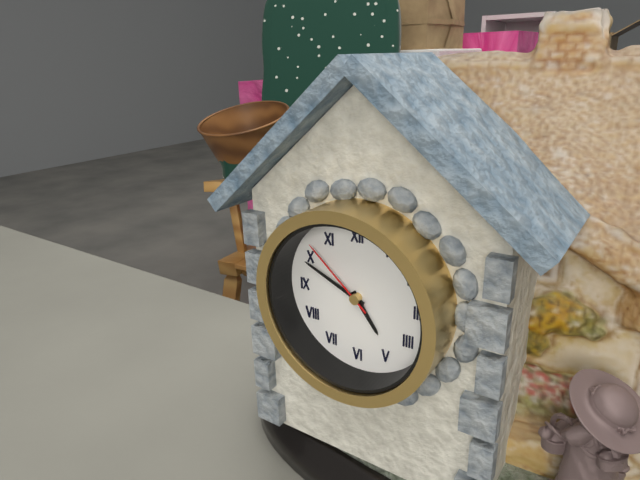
**4:49:52**
